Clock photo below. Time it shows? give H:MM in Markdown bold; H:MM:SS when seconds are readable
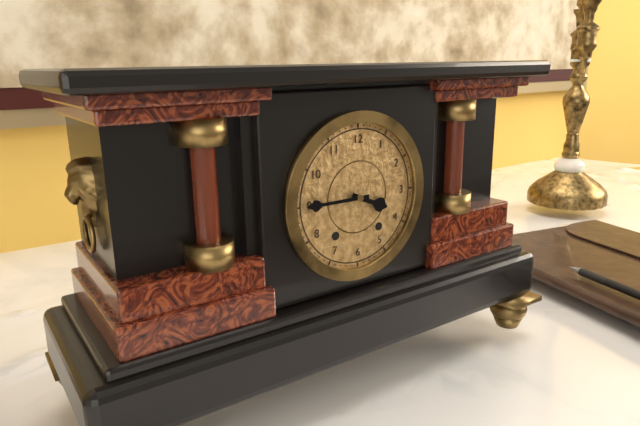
**3:45**
